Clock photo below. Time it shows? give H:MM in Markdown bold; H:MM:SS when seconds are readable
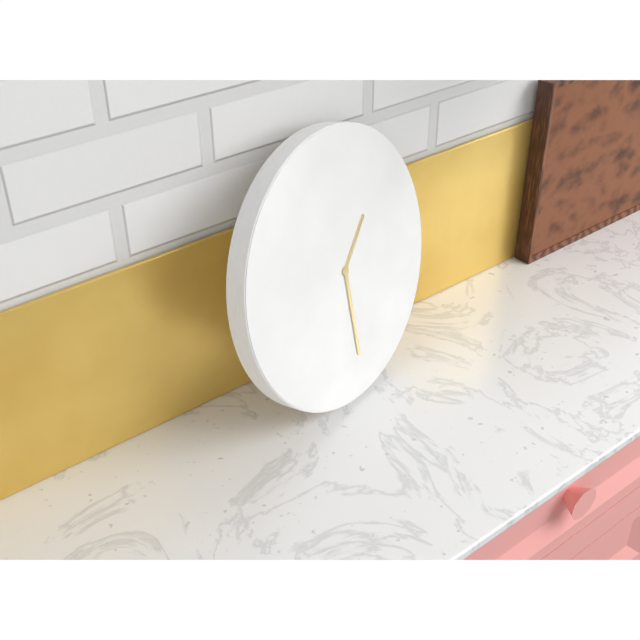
**1:30**
